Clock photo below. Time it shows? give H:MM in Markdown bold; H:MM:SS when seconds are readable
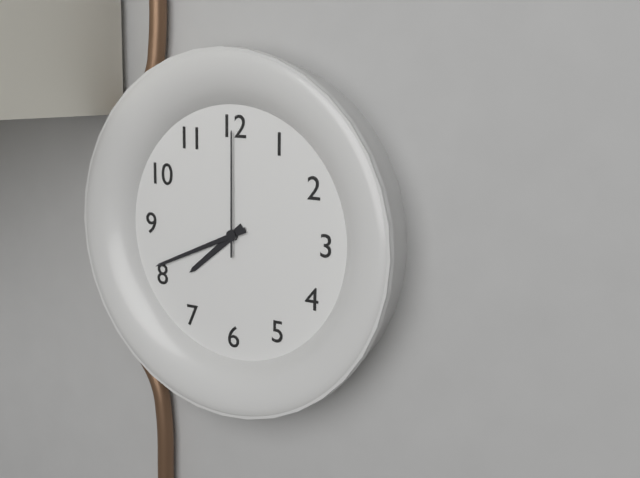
**7:41:00**
